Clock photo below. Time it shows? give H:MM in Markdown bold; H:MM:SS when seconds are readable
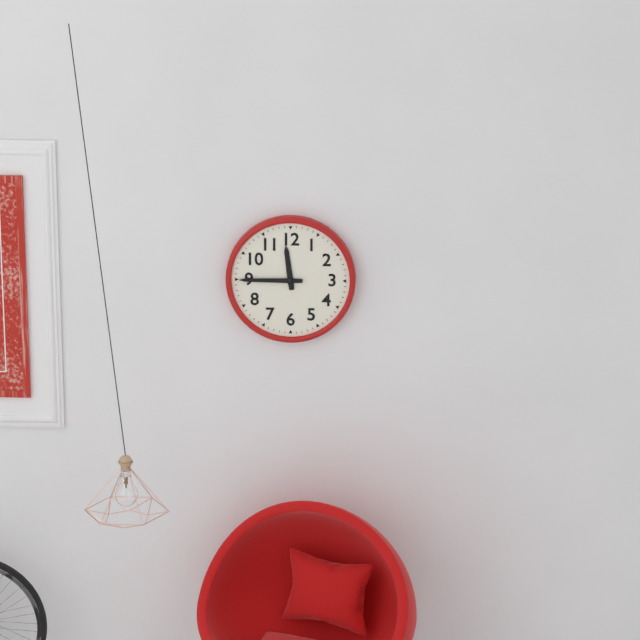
**11:45**
